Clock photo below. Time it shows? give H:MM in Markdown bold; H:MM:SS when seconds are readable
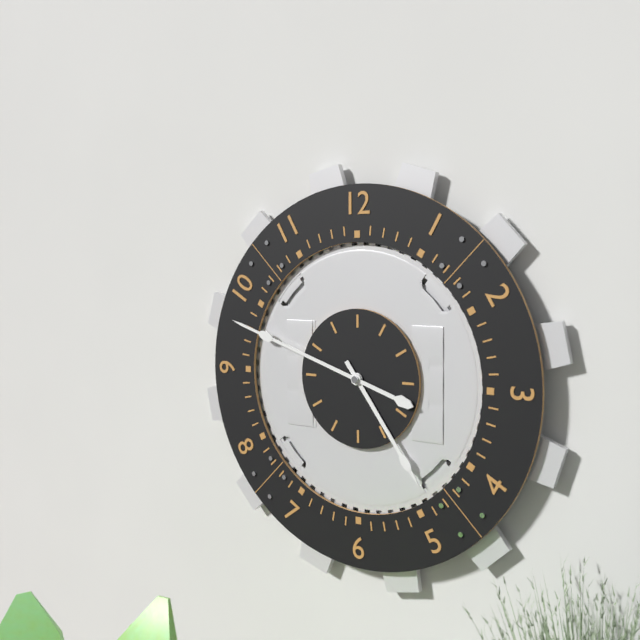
**4:48**
